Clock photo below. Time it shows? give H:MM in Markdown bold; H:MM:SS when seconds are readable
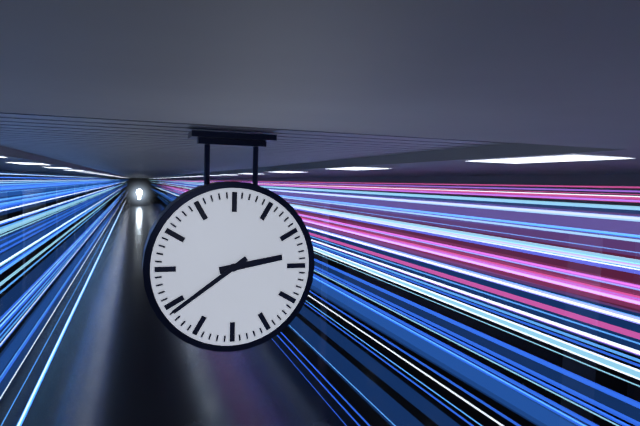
**2:39**
